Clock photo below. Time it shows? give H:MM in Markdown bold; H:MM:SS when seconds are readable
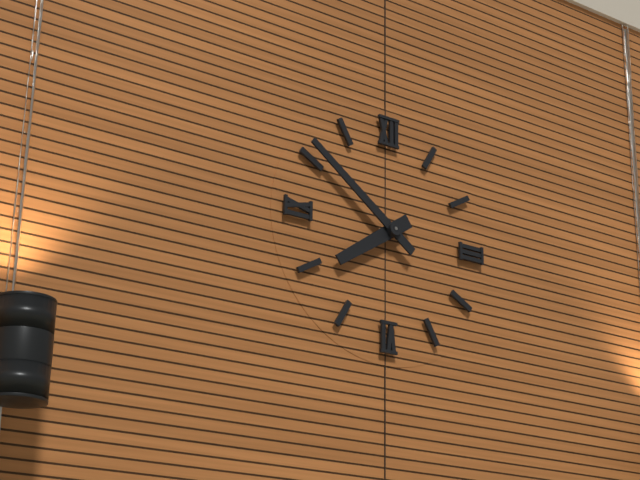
**7:51**
